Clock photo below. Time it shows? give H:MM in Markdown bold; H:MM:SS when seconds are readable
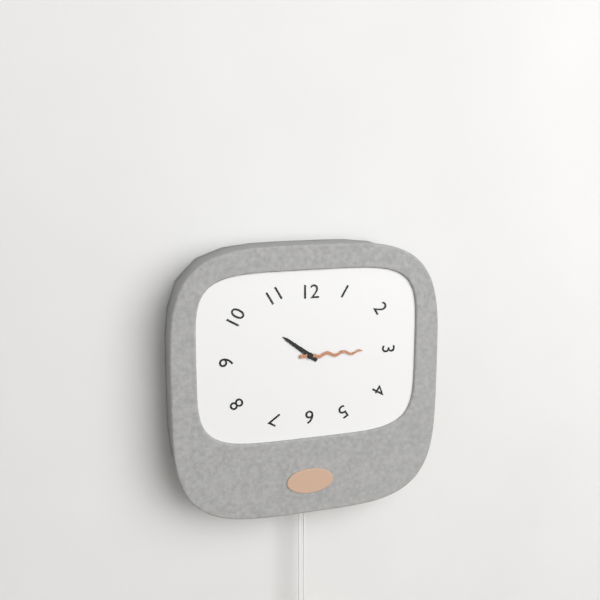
**10:15**
